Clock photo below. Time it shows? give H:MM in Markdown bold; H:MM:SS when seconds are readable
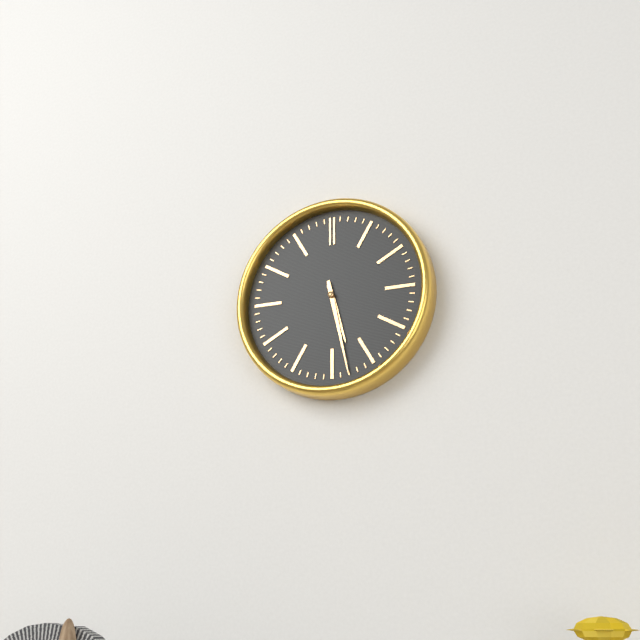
**5:28**
